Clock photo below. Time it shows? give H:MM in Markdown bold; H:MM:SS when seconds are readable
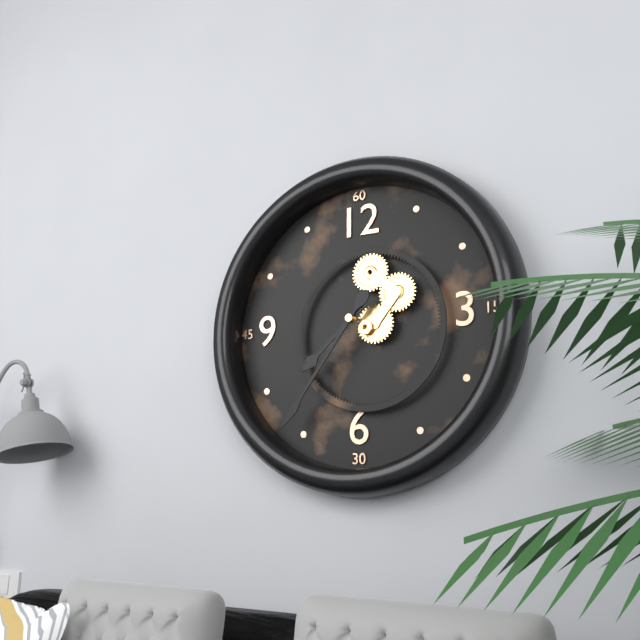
**7:36**
